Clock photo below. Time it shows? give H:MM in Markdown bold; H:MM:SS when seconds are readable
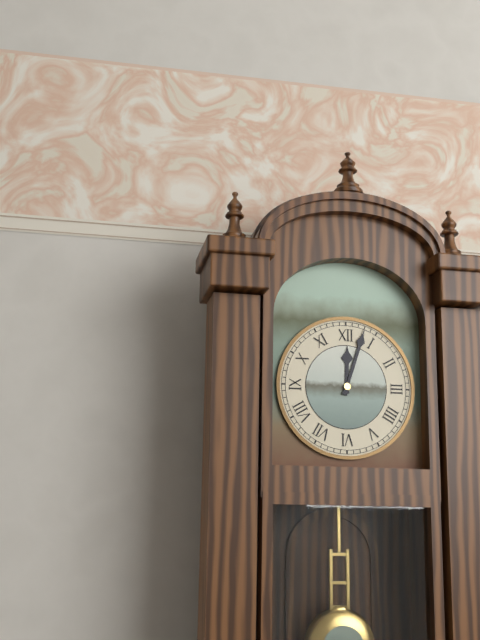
**12:03**
